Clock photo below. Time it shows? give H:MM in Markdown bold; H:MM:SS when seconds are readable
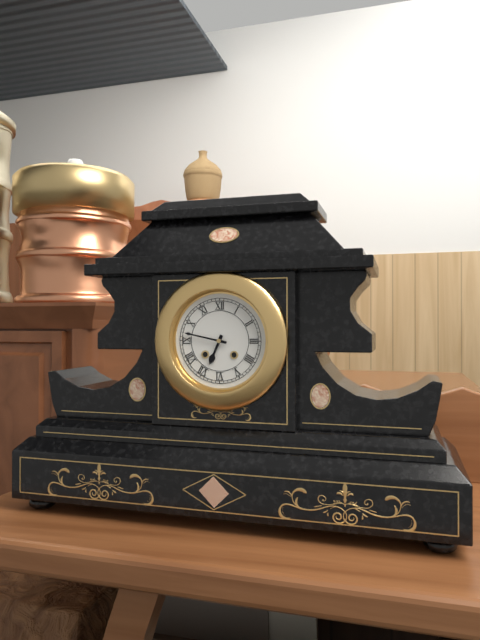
**6:47**
